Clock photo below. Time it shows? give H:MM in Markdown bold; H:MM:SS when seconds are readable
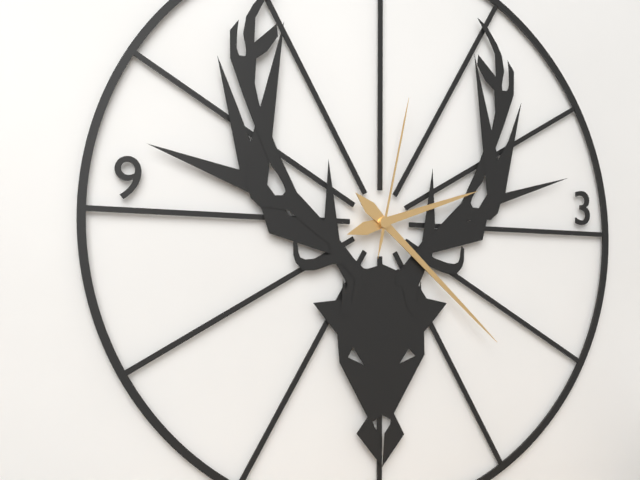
**2:22:02**
